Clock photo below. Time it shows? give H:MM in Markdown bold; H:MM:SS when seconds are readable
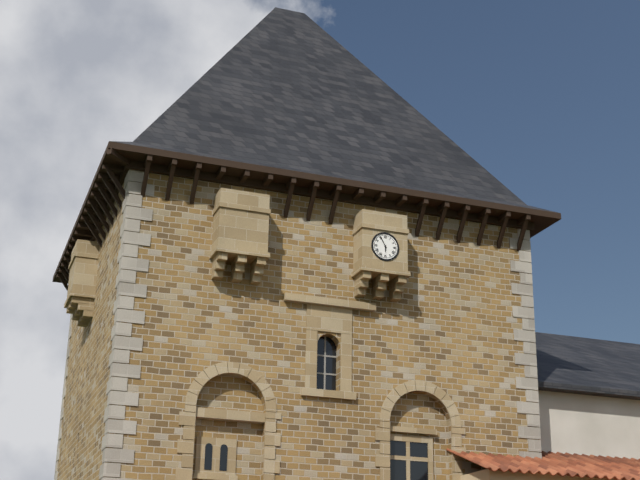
**5:55**
